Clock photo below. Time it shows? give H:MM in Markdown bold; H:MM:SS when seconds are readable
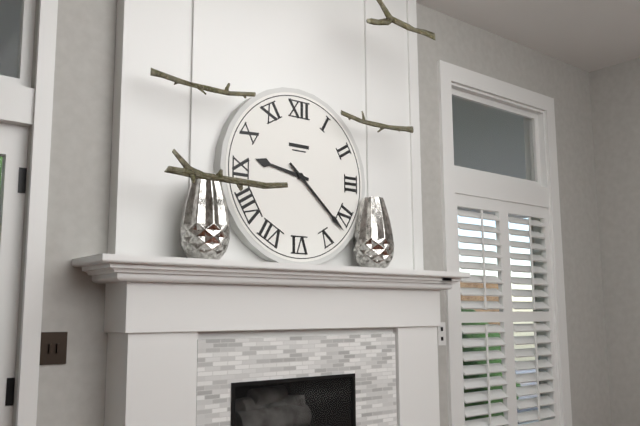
**9:22**
